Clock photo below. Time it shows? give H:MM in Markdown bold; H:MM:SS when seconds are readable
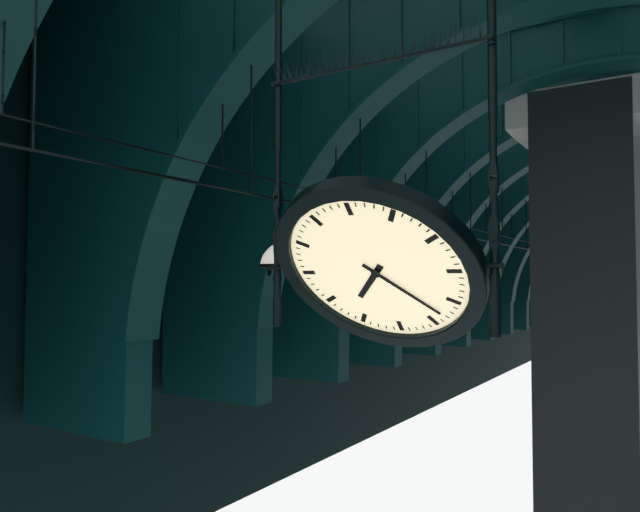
**7:23**
